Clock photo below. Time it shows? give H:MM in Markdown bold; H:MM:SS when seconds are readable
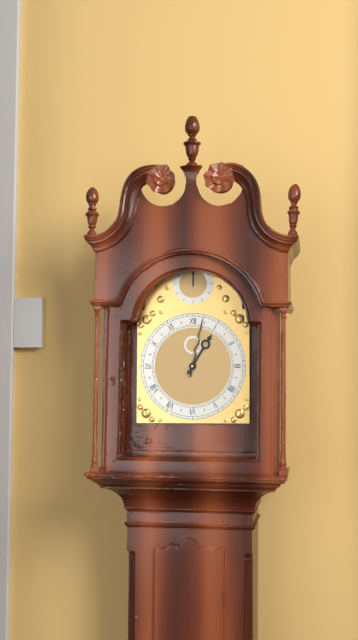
**1:02**
